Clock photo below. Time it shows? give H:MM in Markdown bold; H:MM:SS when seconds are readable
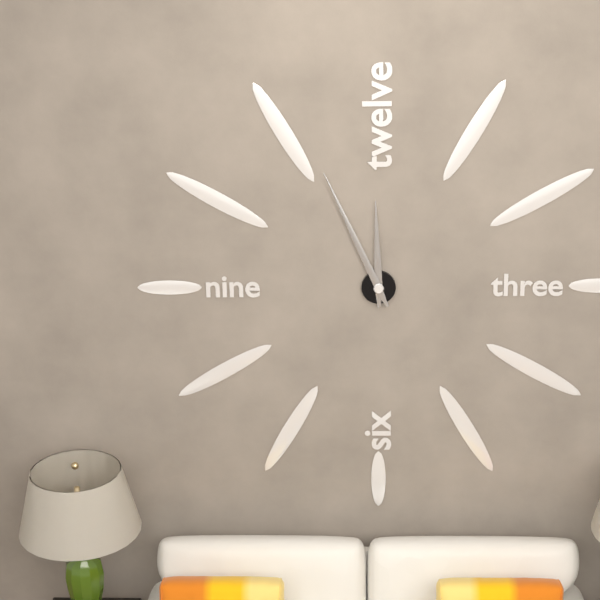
**11:56**
